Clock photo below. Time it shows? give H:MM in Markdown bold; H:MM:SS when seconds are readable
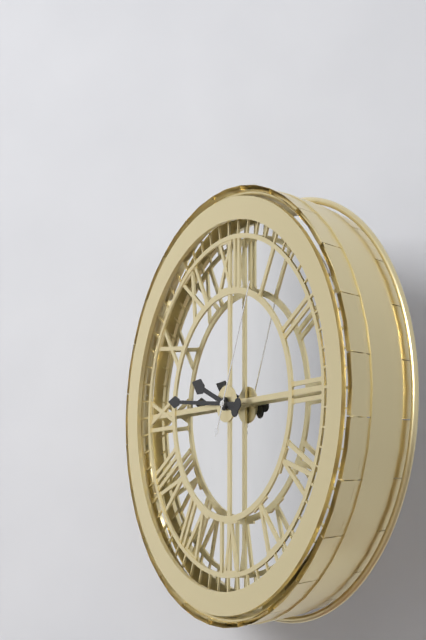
**9:46:04**
